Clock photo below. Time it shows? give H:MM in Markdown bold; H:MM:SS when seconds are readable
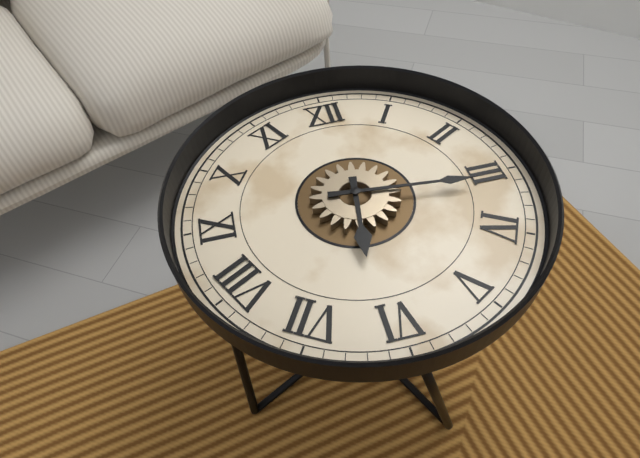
**6:16**
